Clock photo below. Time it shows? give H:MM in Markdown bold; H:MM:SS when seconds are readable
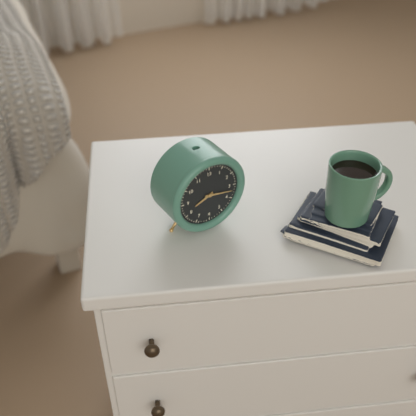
**8:17**
